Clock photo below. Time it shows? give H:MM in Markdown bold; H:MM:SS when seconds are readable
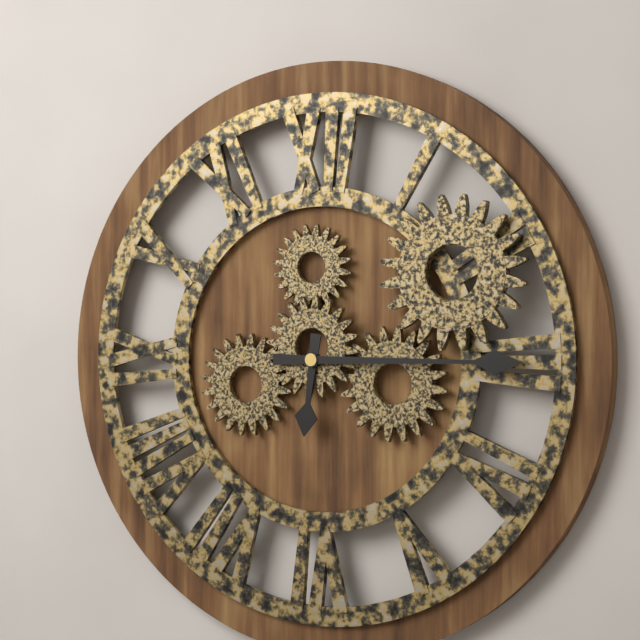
**6:15**
